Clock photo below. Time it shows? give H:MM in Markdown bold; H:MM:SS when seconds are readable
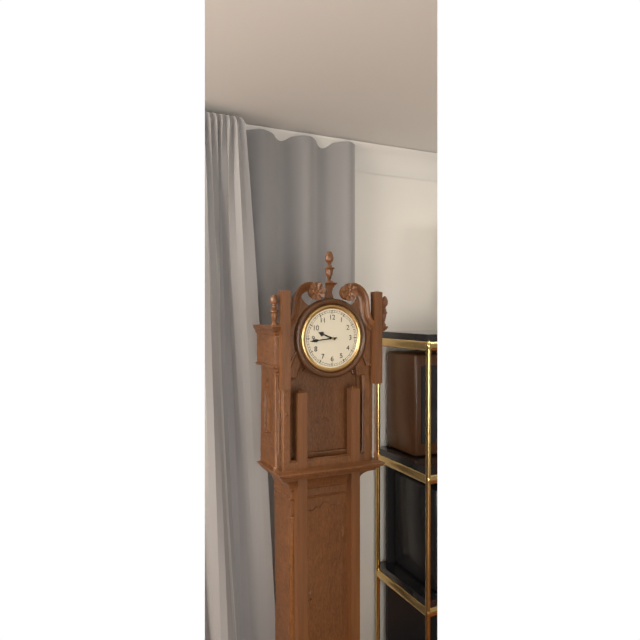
**9:44**
